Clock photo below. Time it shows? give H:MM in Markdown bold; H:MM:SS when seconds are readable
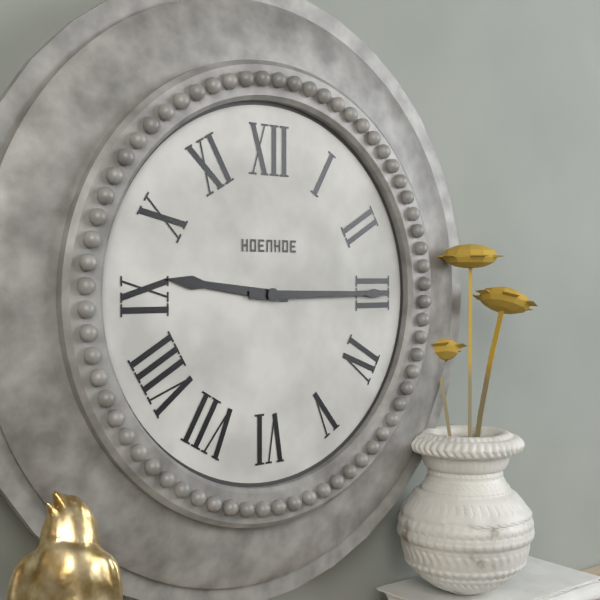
**9:15**
